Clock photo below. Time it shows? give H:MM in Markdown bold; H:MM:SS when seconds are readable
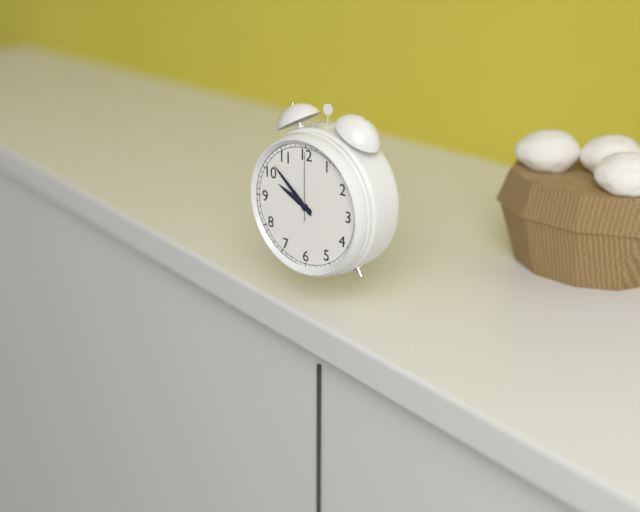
**9:52:00**
